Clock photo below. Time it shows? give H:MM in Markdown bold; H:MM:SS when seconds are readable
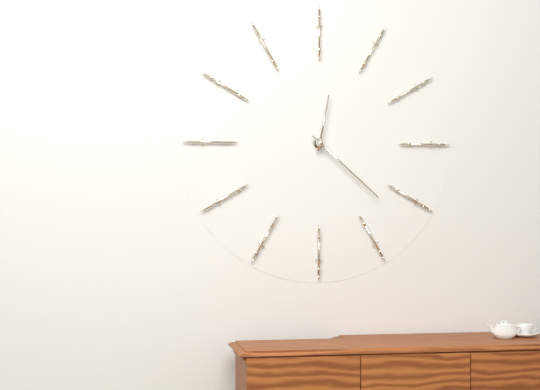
**12:22**
